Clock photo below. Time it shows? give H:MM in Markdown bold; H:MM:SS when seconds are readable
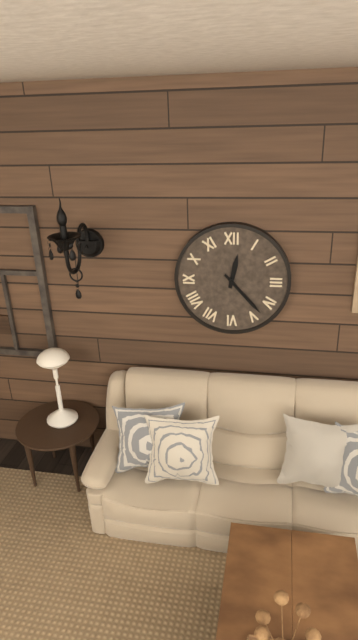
**12:23**
